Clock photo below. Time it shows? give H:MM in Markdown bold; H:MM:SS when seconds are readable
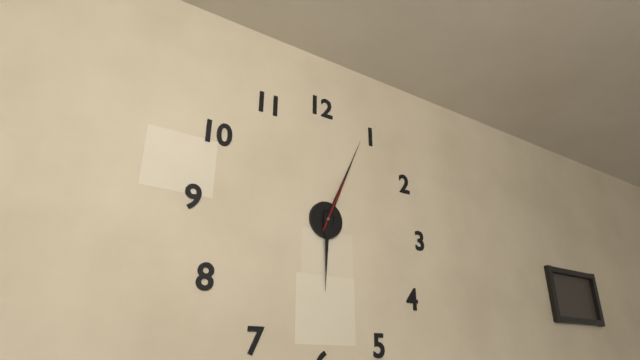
**6:04:04**
